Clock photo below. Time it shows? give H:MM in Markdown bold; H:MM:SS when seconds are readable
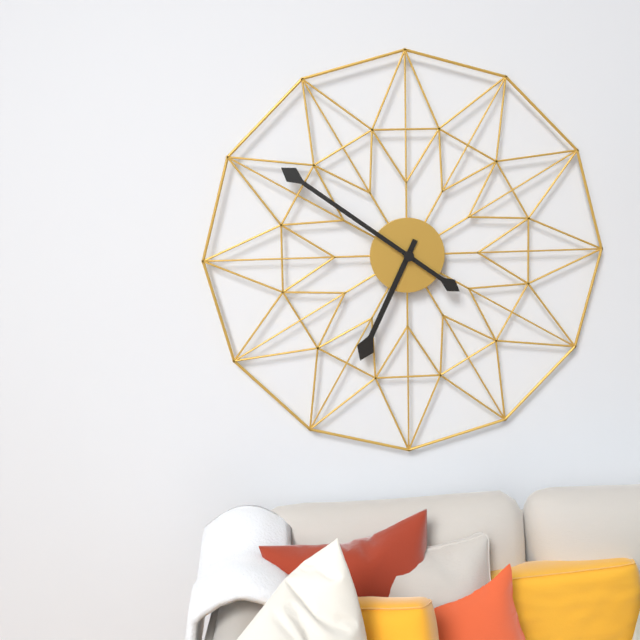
**6:51**
